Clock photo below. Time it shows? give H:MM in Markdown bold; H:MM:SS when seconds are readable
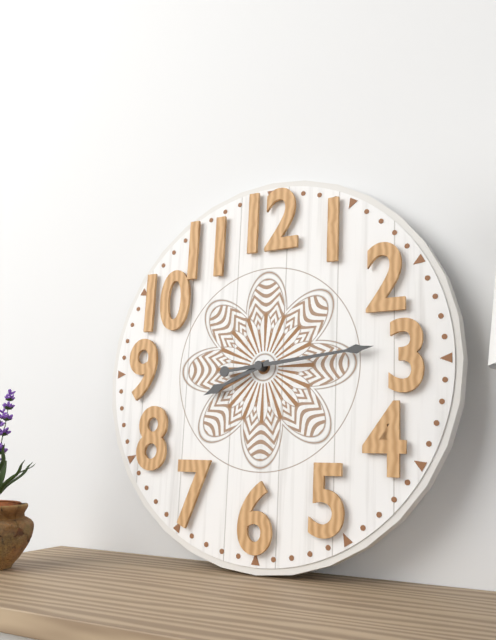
**8:14**
